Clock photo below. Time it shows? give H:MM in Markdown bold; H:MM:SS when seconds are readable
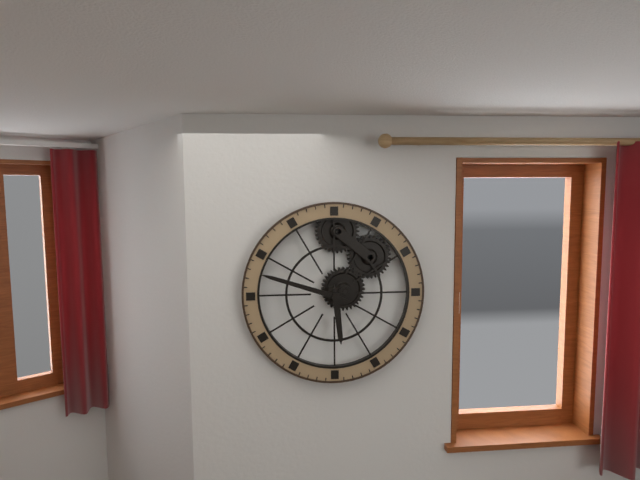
**5:48**
